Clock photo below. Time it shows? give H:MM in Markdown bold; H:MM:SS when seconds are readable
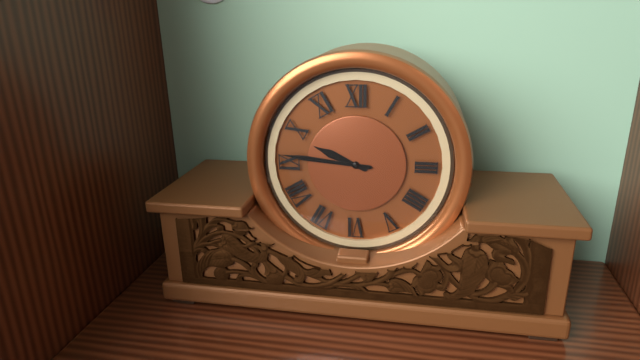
**9:46**
